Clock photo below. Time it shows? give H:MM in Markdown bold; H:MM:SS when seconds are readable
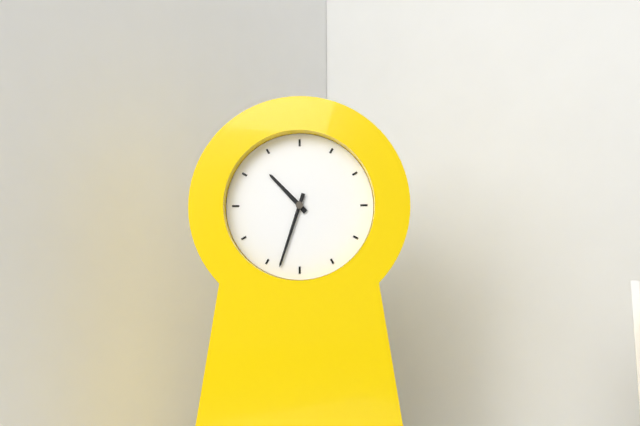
**10:33**
